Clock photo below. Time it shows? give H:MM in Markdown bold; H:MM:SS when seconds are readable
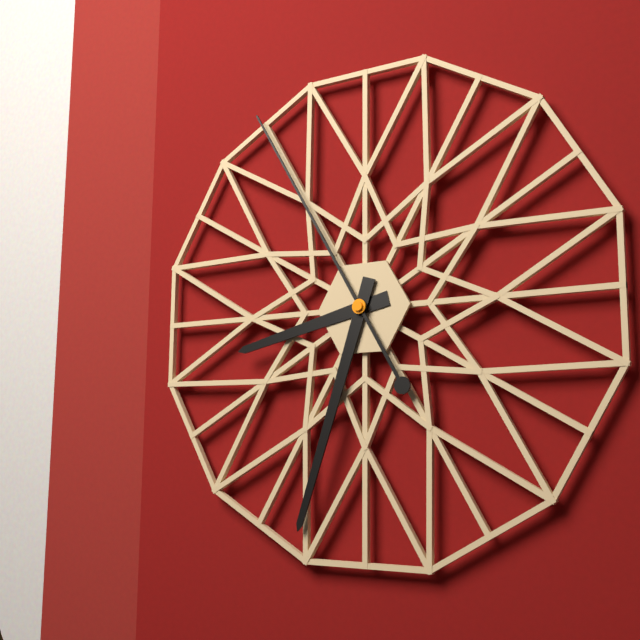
**8:33:55**
